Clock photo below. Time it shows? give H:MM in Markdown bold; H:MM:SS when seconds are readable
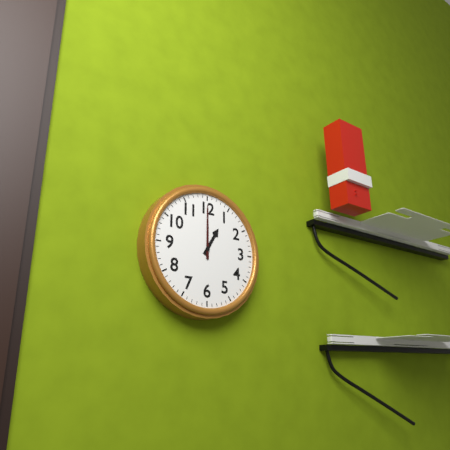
**1:00**
